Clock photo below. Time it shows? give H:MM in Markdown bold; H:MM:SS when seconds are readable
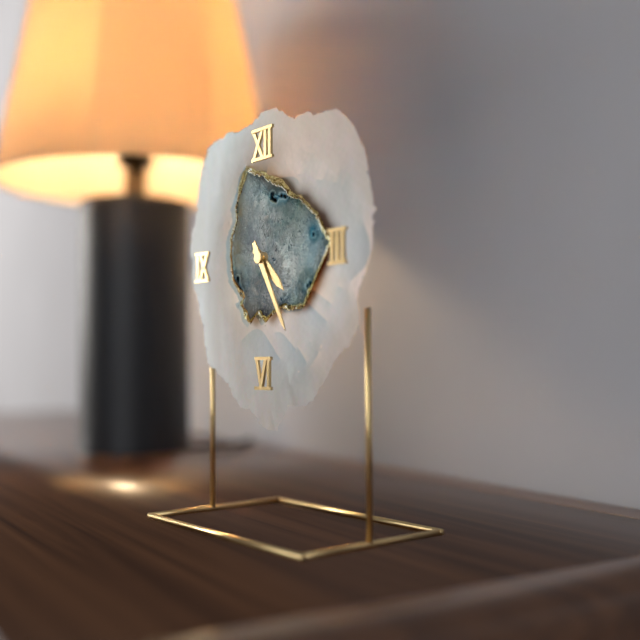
**4:25**
